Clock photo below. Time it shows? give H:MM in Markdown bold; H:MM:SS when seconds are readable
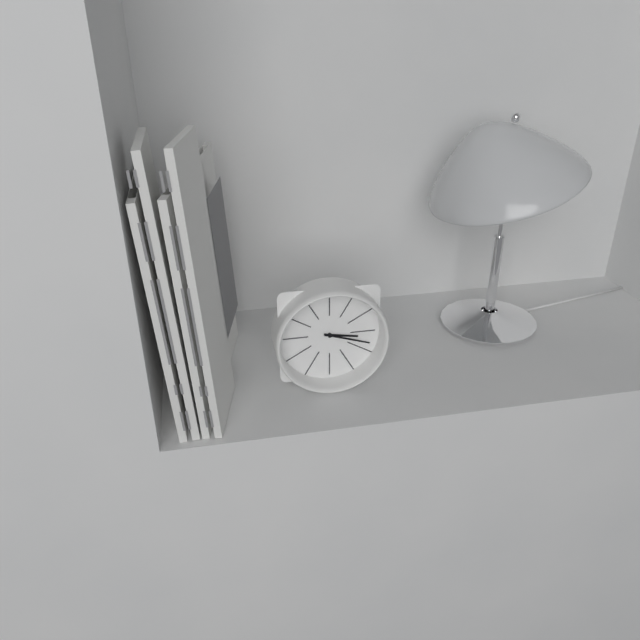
**3:18**
